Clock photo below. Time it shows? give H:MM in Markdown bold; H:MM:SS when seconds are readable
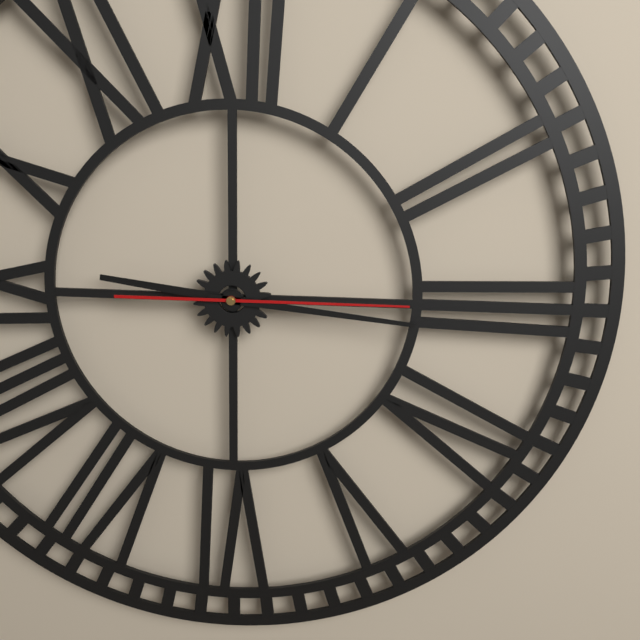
**9:16:15**
